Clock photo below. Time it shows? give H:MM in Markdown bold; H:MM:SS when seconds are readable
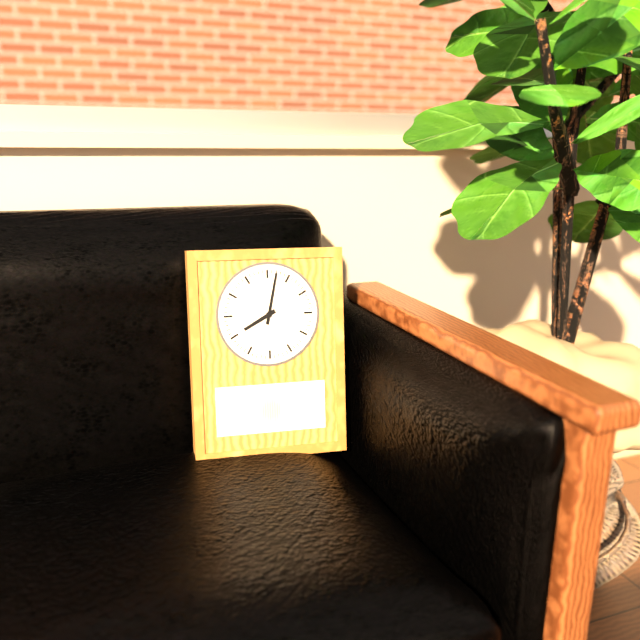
**8:02**
